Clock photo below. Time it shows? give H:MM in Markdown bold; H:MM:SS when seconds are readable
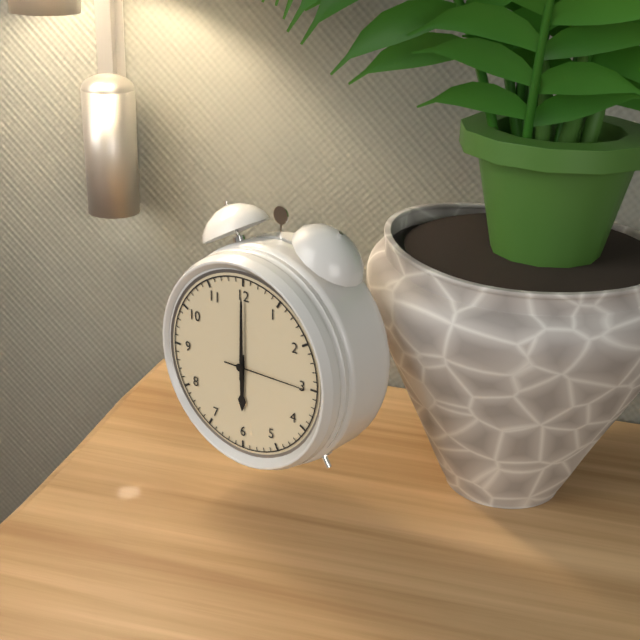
**6:00:15**
